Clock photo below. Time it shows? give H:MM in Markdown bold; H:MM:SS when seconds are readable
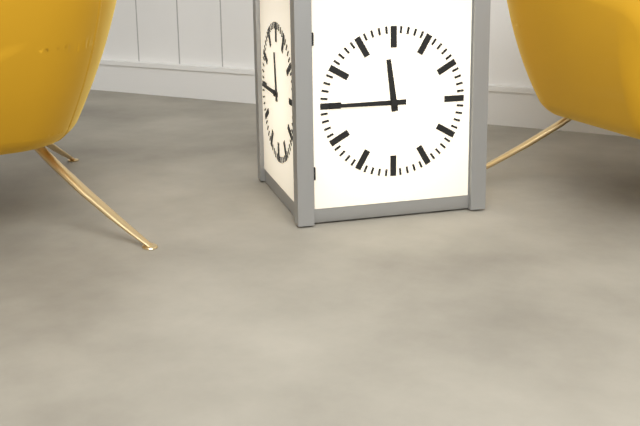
**11:45**
